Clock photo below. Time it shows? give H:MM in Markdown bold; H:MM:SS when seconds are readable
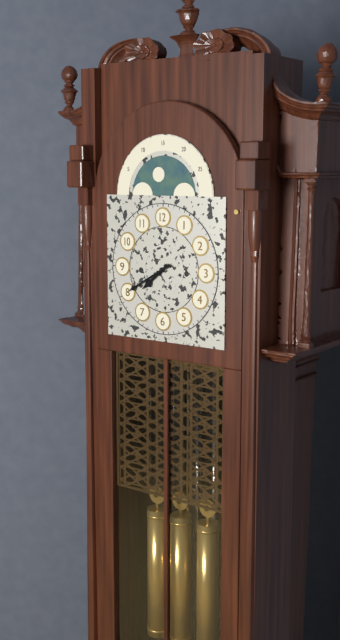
**7:40**
